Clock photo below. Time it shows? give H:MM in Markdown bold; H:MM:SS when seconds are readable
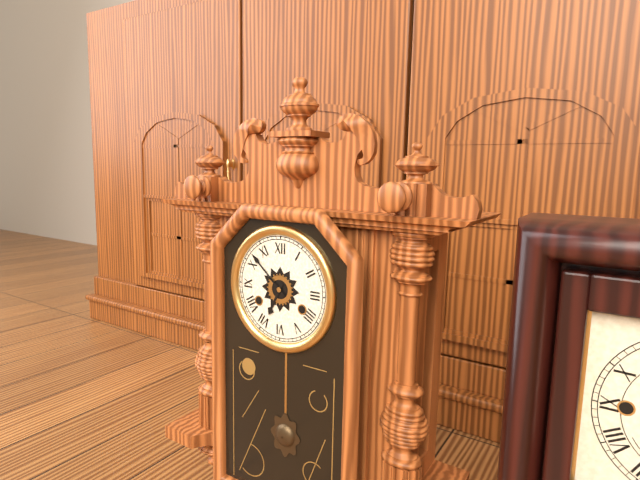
**6:52**
